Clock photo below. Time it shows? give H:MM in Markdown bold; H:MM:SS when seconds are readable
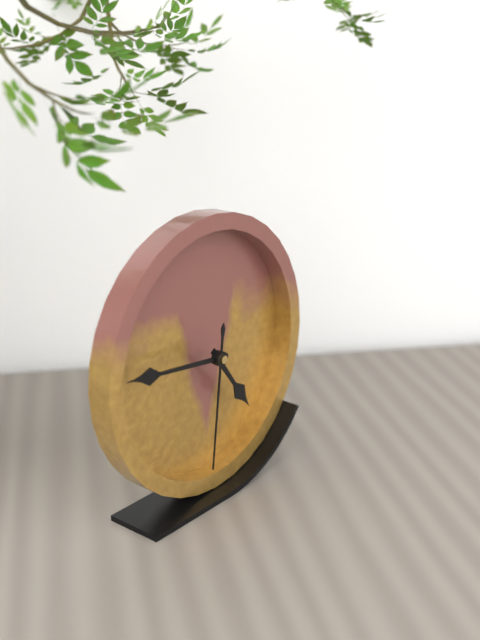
**4:46:31**
